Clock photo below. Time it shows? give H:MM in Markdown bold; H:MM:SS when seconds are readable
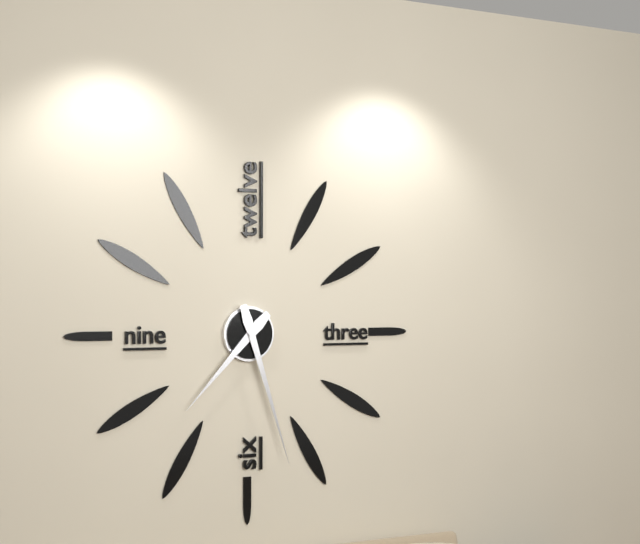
**7:27**
